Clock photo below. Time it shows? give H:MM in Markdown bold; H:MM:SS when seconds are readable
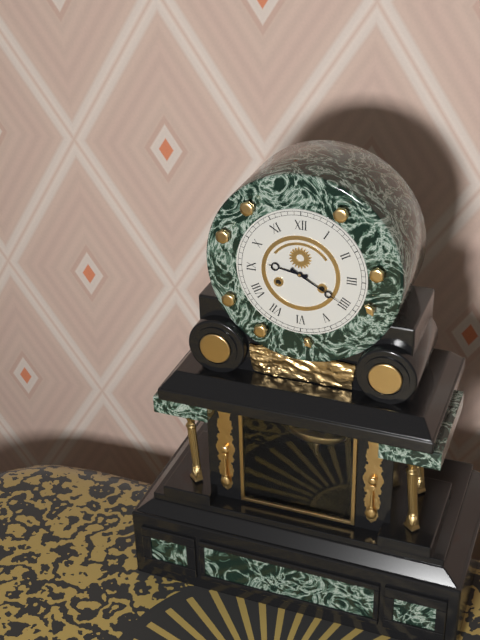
**9:20**
